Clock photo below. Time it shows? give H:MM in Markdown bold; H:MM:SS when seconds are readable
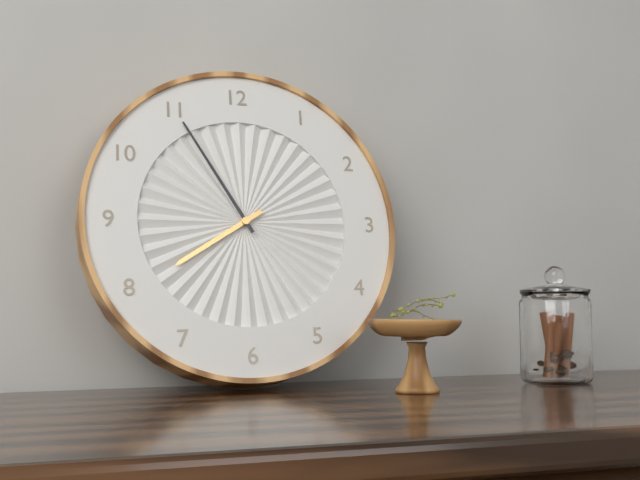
**7:55**
